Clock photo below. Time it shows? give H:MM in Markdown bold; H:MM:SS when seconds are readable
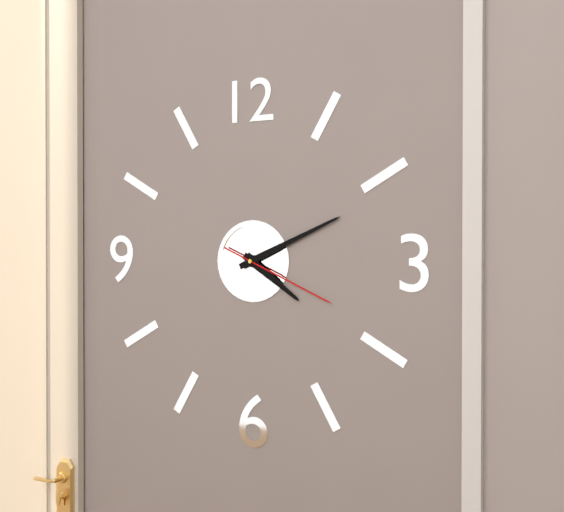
**4:11:19**
